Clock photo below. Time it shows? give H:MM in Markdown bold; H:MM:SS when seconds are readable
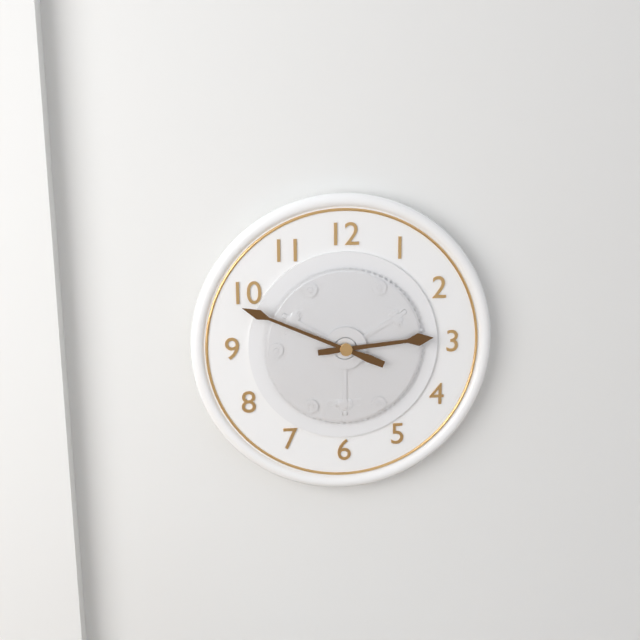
**2:49**
